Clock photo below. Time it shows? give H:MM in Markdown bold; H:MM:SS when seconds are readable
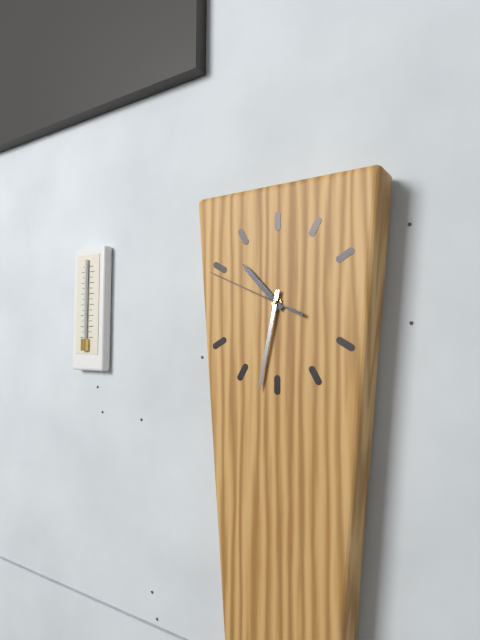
**10:32:49**
